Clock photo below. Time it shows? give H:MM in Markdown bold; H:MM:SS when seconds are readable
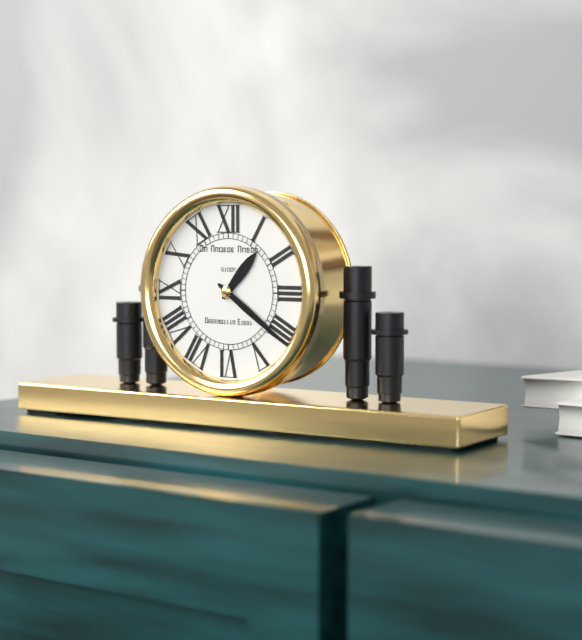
**1:21**
